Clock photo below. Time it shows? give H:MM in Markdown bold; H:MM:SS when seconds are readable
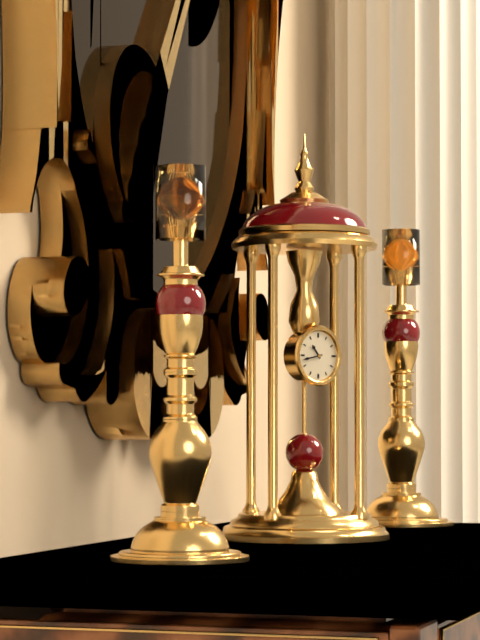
**10:43**
